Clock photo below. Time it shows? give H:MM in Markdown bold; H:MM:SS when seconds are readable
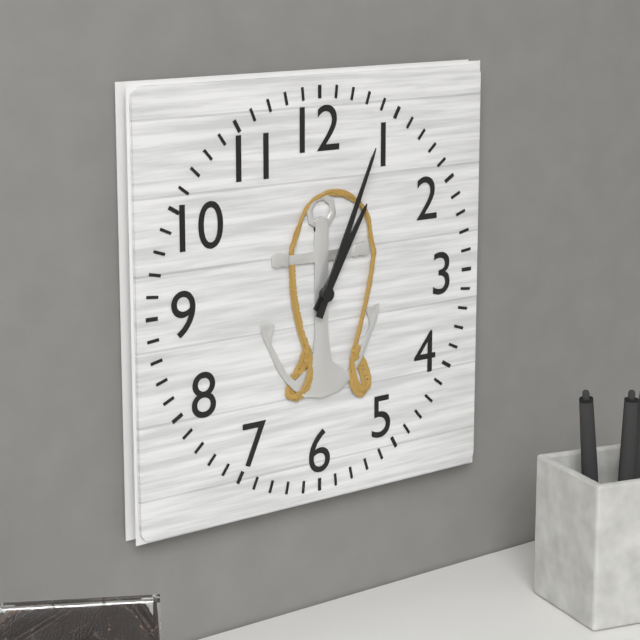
**1:04**
